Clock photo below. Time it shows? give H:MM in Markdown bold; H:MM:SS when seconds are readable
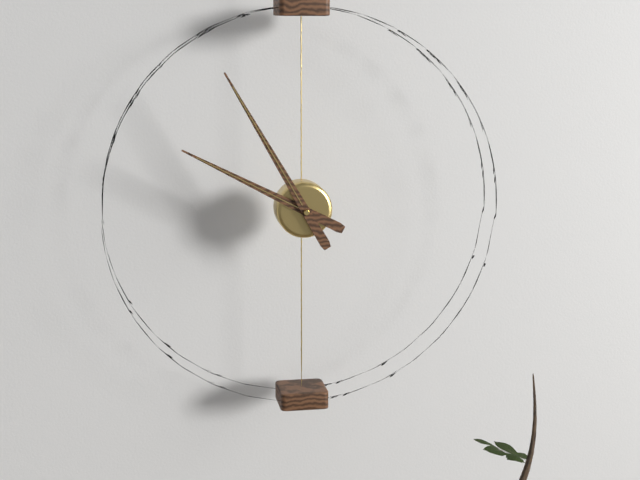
**9:55**
